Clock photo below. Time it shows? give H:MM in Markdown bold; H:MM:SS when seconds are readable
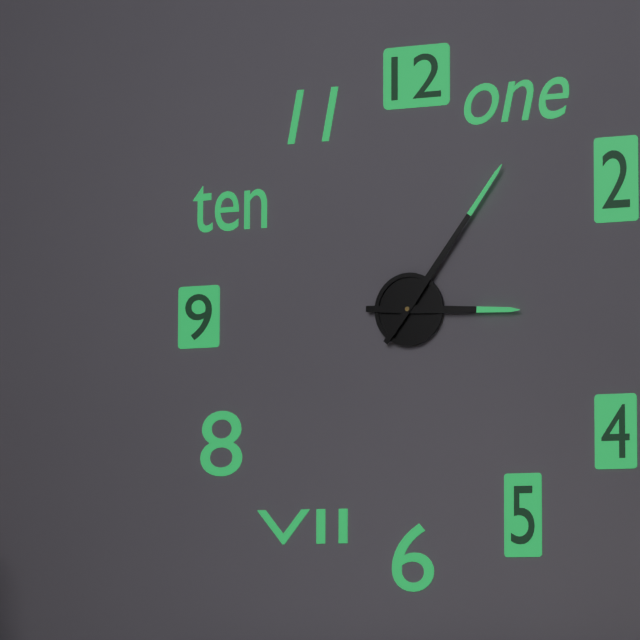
**3:06**
